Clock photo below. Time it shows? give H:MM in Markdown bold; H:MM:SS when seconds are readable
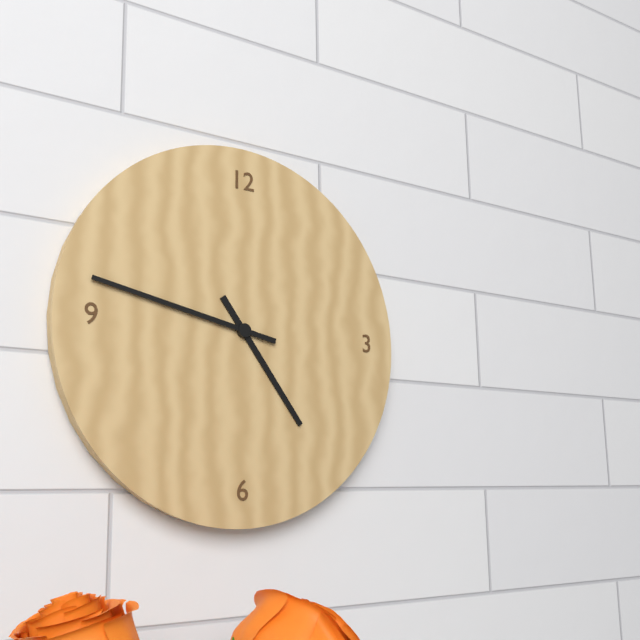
**4:47**
